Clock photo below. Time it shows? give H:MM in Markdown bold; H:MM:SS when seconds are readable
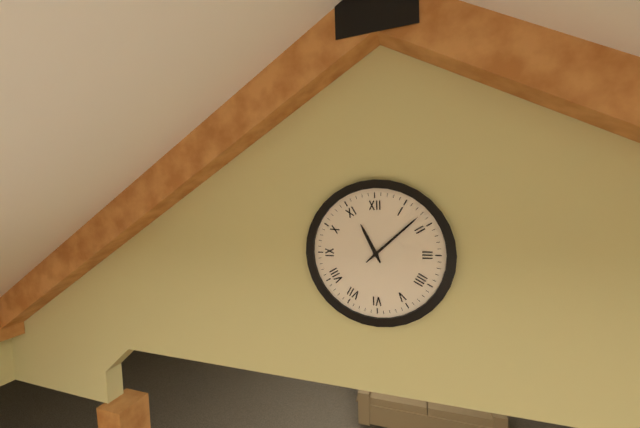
**11:08**
